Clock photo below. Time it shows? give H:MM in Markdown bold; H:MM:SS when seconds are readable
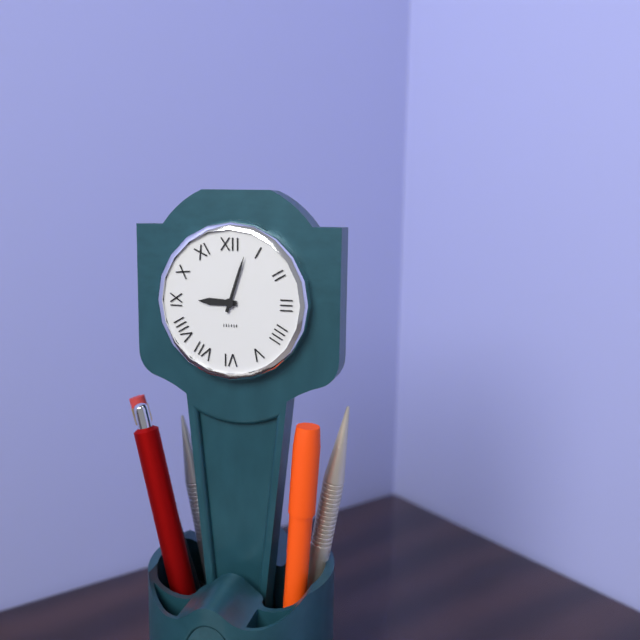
**9:03**
